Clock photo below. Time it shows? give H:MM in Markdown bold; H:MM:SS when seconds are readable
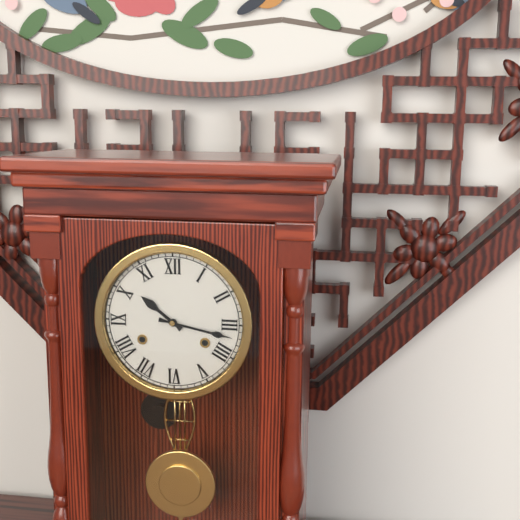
**10:17**
